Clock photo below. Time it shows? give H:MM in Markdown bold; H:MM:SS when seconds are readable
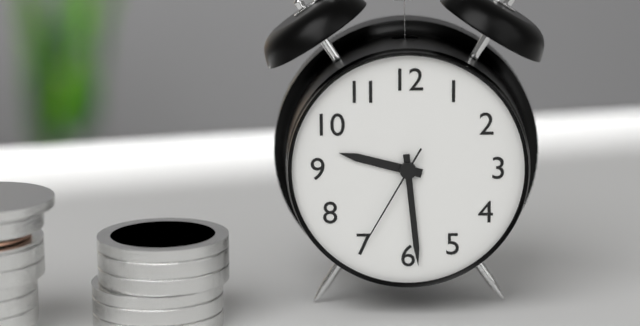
**9:29:35**
